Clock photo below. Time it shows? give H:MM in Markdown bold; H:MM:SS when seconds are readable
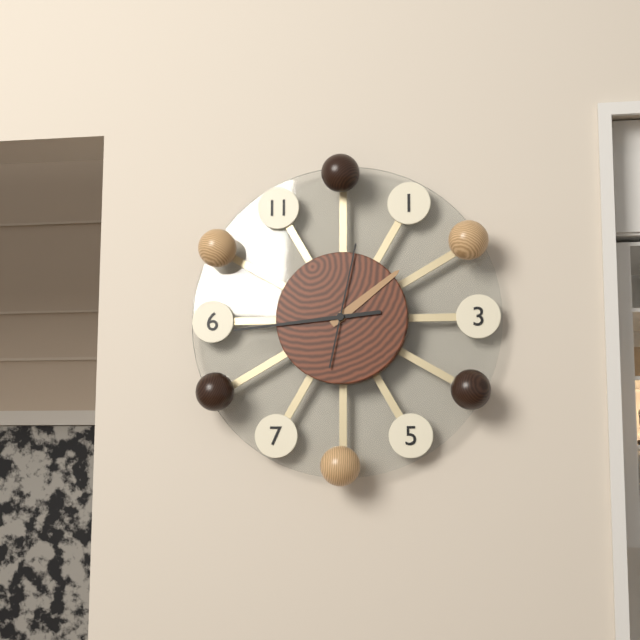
**1:44:02**
